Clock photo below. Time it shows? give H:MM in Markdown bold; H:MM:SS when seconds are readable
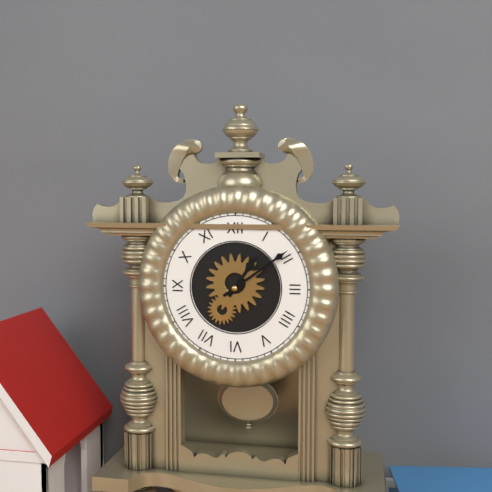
**1:09**
